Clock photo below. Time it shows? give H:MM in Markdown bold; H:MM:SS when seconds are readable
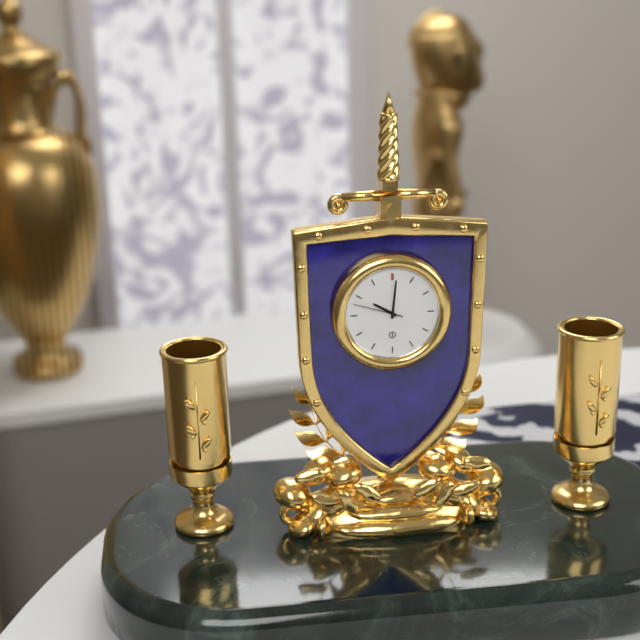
**10:01:48**
